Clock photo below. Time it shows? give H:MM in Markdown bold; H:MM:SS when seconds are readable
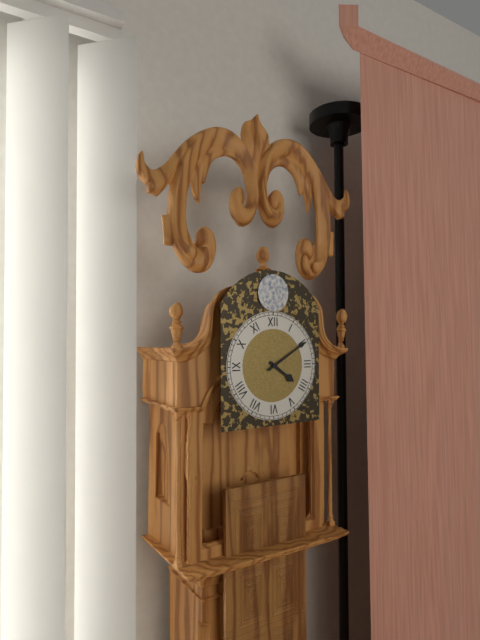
**4:10**
